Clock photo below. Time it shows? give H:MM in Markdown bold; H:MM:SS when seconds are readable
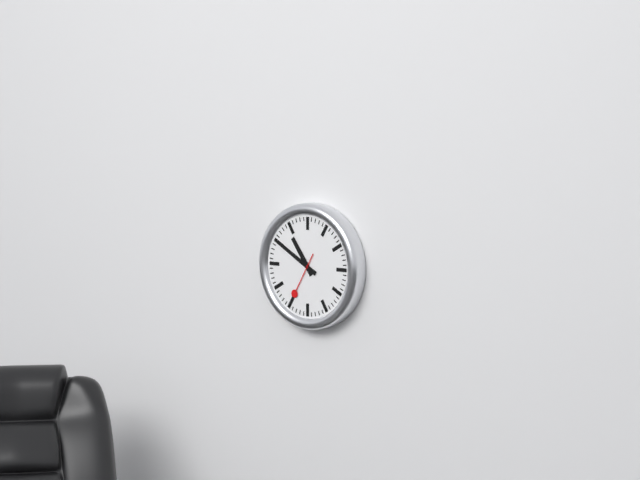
**10:50**
